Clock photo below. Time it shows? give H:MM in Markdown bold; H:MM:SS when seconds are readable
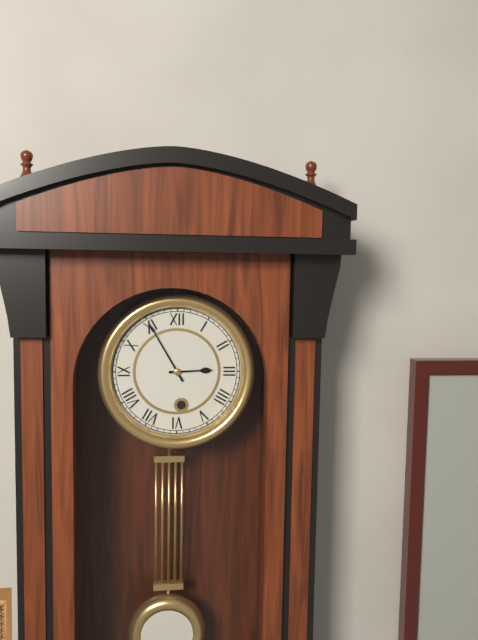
**2:55**
